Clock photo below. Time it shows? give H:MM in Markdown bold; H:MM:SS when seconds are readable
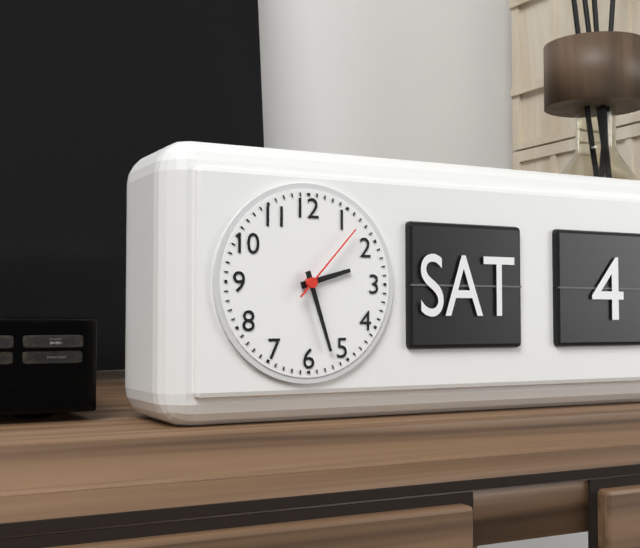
**2:27:07**
